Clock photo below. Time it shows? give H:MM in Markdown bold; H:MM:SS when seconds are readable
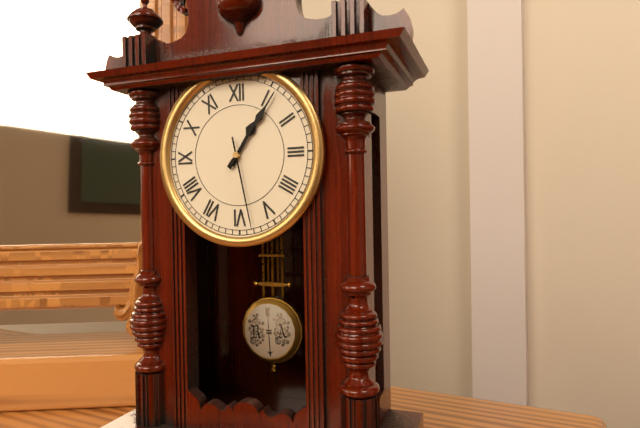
**1:06:28**
